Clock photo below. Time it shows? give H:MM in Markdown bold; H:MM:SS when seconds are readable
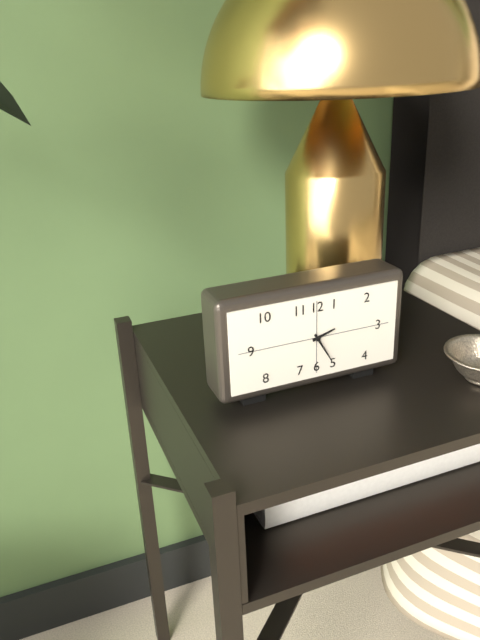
**2:25**
